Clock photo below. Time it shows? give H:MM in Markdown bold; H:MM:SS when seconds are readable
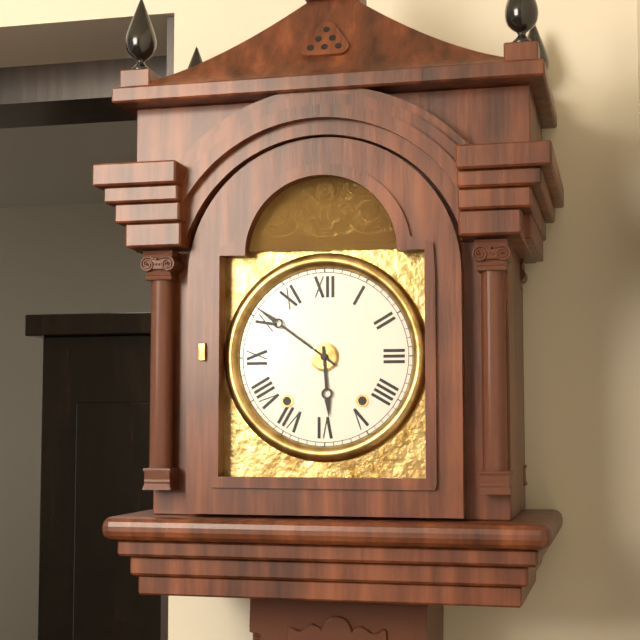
**5:51**
